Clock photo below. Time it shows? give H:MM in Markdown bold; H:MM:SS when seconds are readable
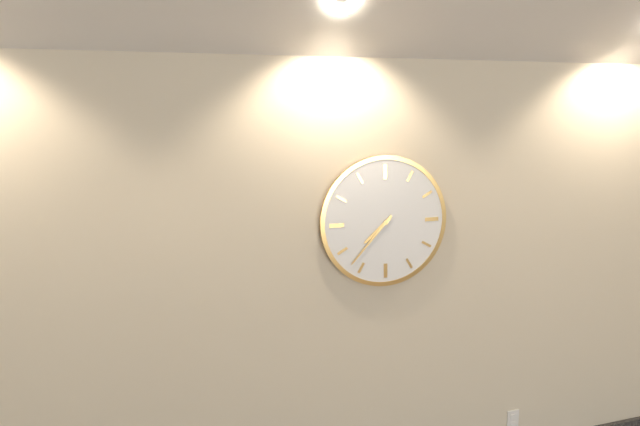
**7:37**
